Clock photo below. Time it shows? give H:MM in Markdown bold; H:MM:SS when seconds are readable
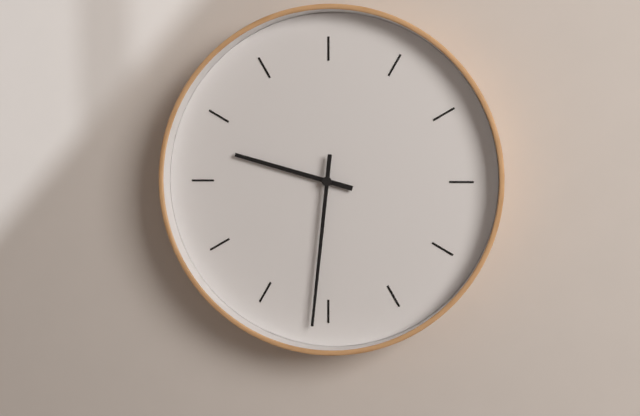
**9:31**
